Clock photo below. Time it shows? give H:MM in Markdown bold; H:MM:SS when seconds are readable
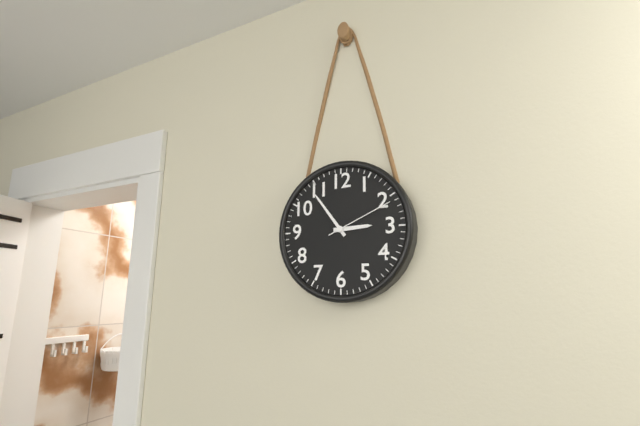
**2:54:11**
